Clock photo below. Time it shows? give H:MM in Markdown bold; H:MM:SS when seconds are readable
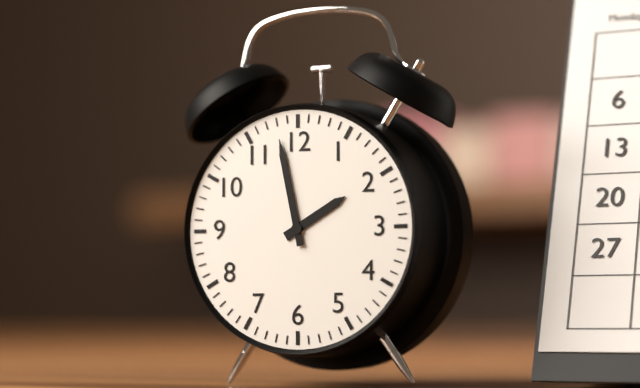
**1:58**
